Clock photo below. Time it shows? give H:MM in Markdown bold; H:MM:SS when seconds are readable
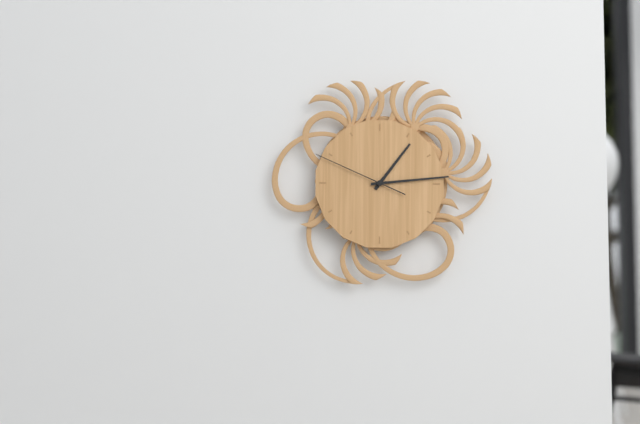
**1:14:49**
